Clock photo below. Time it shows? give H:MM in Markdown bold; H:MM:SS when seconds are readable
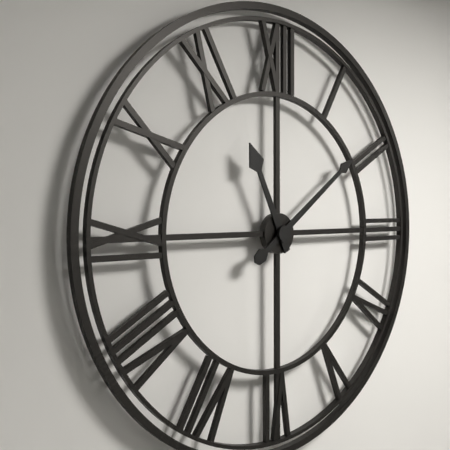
**11:09**
